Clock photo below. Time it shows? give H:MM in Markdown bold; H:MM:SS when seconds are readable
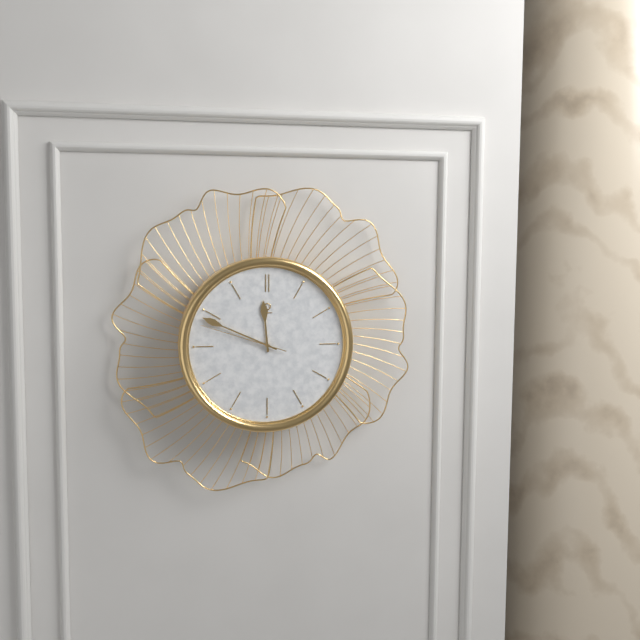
**11:49:48**
